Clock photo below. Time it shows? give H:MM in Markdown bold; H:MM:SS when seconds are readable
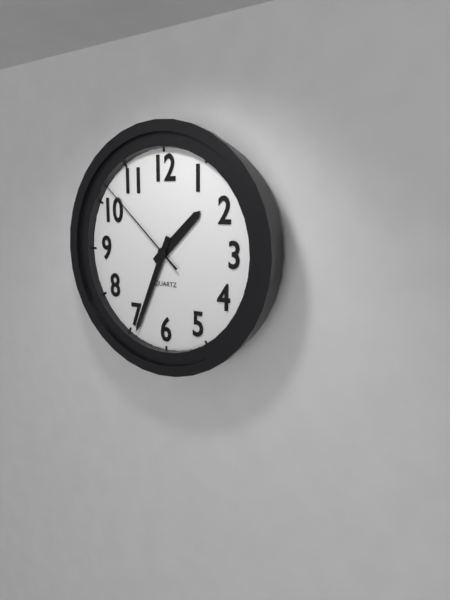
**1:34:52**
